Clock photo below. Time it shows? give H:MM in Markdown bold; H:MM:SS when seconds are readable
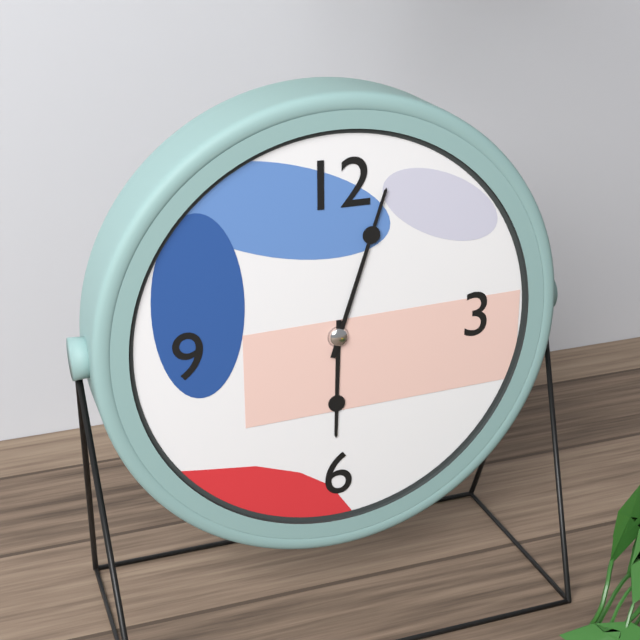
**6:03**
